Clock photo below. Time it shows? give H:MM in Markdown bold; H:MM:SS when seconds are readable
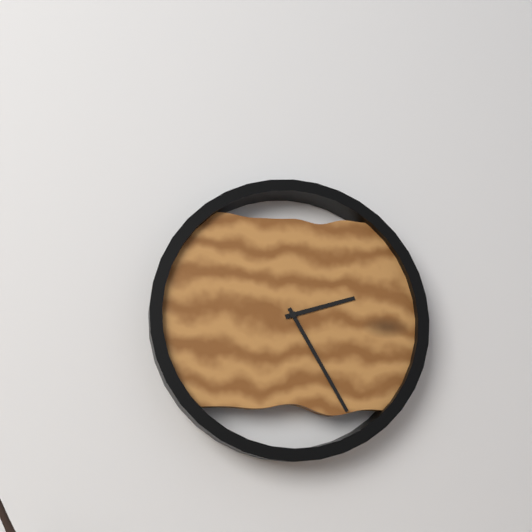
**2:25**
